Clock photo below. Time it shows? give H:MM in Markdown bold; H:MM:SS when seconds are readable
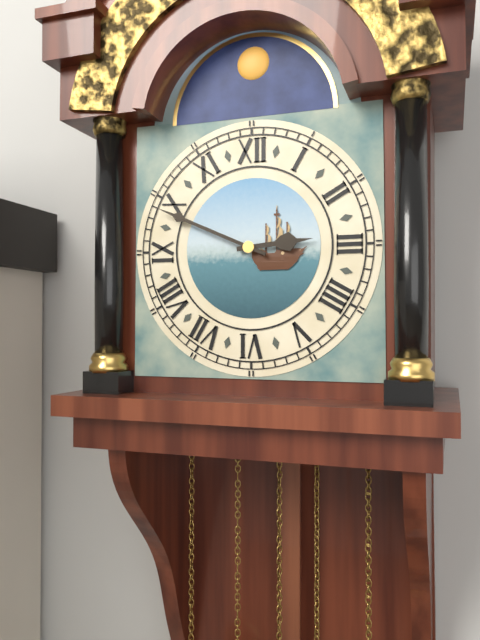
**2:49**
